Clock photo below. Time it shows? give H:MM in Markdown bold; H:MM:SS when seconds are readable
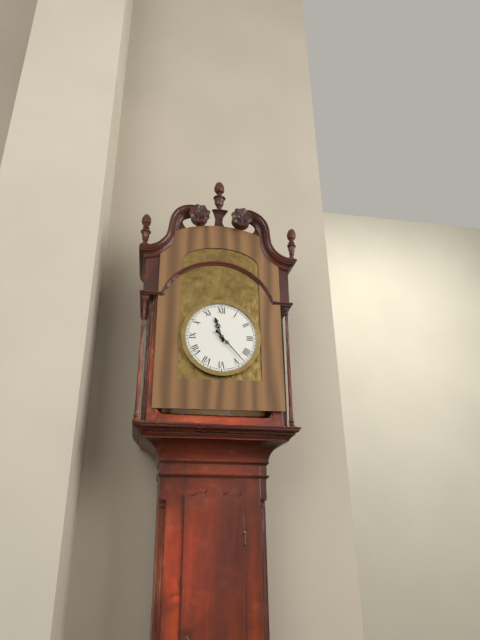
**11:23**
